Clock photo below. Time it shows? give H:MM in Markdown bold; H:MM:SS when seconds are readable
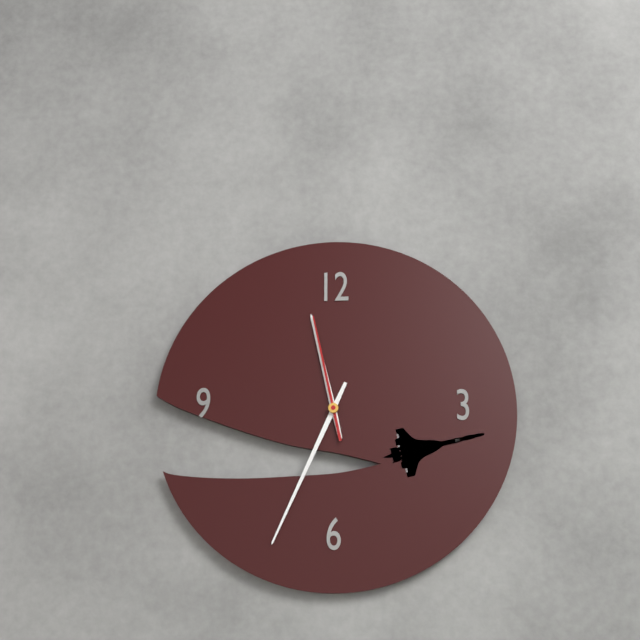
**11:34:58**
